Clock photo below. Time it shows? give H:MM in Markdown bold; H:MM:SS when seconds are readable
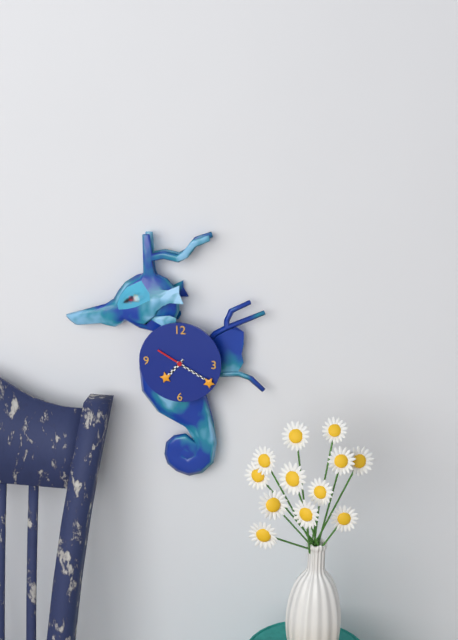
**7:20**
